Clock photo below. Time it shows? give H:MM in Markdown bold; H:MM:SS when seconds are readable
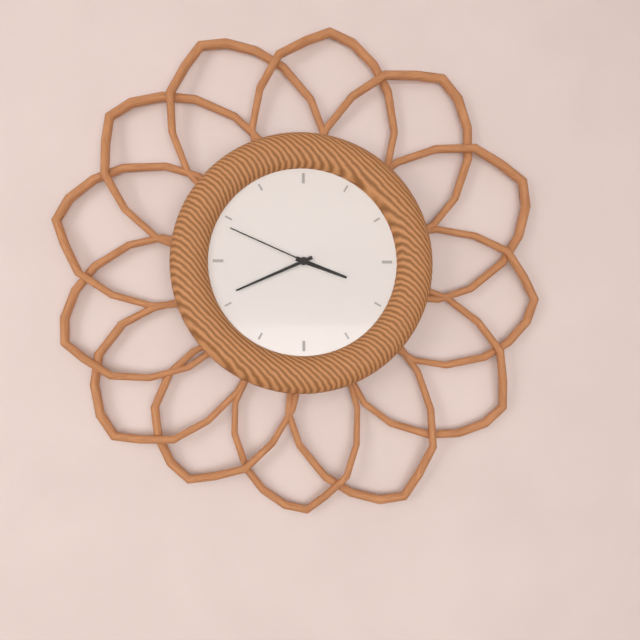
**3:41:49**
